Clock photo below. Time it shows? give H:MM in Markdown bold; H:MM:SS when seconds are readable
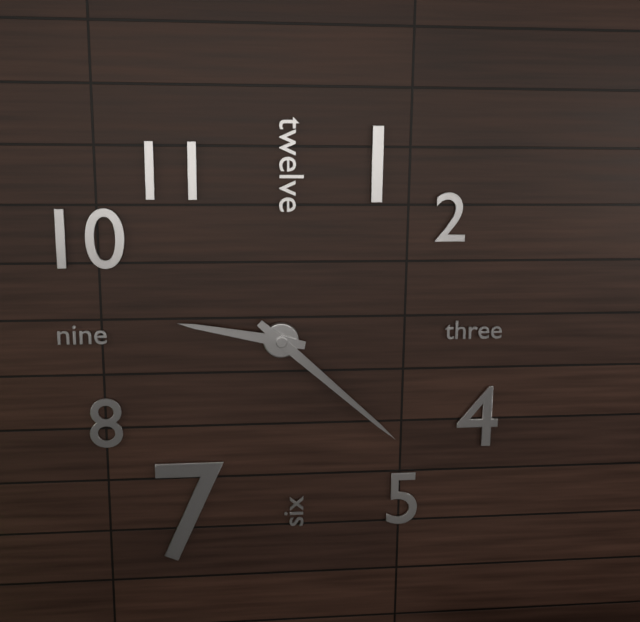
**9:22**
